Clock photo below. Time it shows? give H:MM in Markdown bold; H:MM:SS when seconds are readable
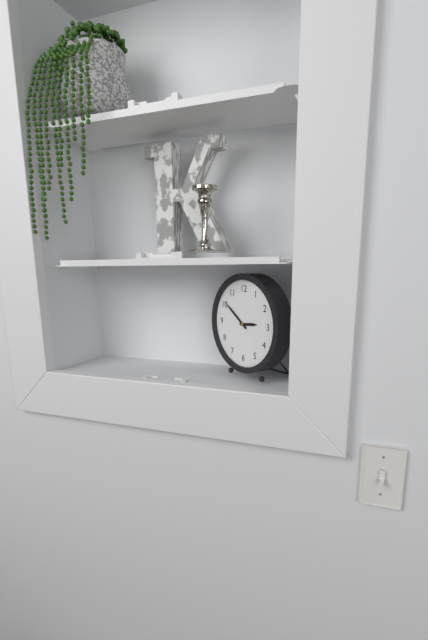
**2:51**
